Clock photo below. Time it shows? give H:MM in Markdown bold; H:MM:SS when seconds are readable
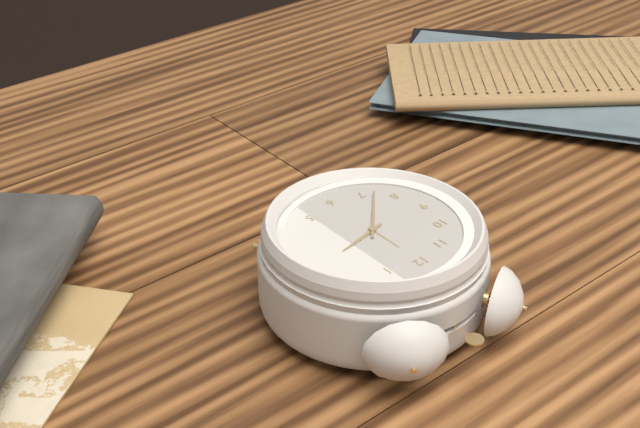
**2:37**
